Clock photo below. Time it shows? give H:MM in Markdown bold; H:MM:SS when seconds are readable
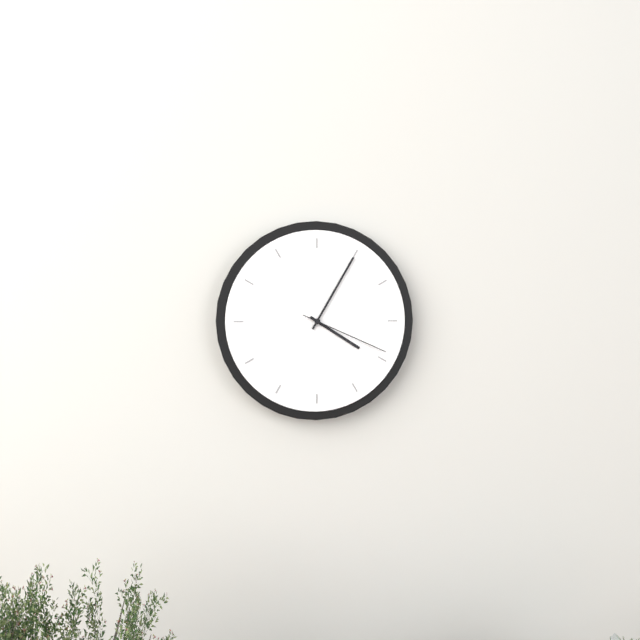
**4:05:19**
